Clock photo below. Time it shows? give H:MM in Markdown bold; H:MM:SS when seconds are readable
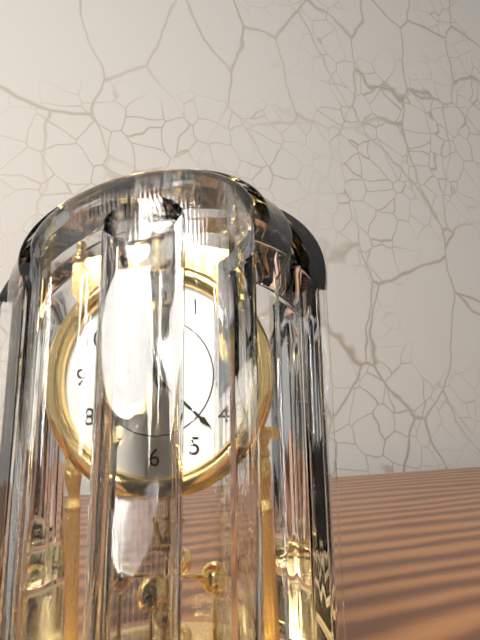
**11:22**
